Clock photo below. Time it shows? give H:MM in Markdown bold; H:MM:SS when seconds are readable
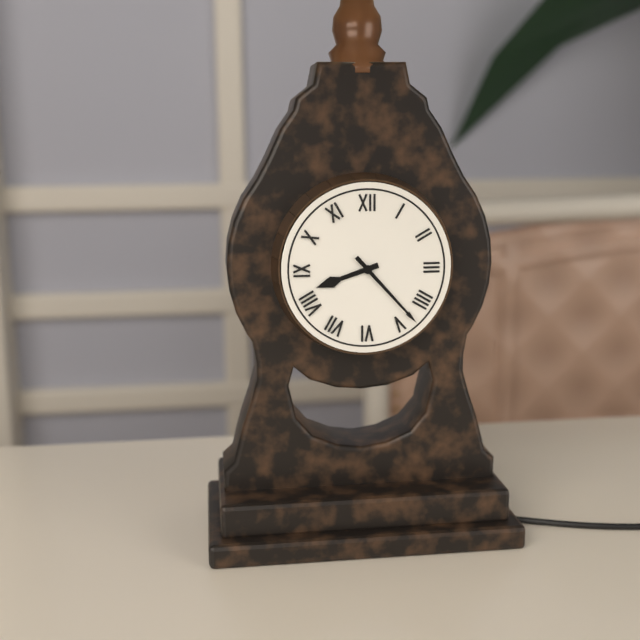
**8:23**
